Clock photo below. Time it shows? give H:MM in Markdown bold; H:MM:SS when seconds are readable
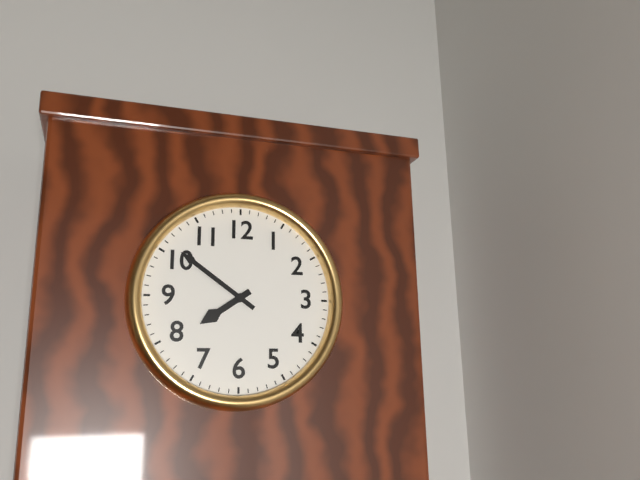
**7:51**
